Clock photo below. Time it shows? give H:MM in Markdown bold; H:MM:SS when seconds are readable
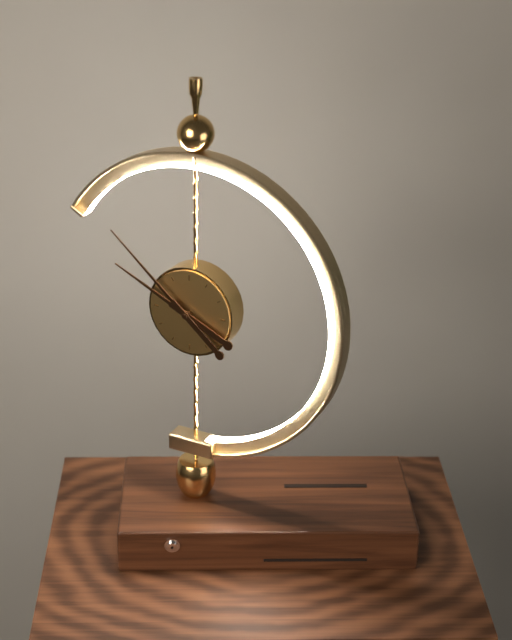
**9:52**
